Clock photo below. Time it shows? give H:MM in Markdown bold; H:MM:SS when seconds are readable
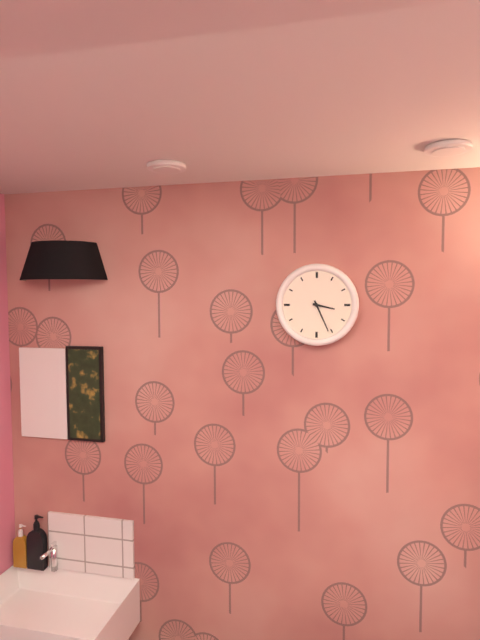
**3:26**
